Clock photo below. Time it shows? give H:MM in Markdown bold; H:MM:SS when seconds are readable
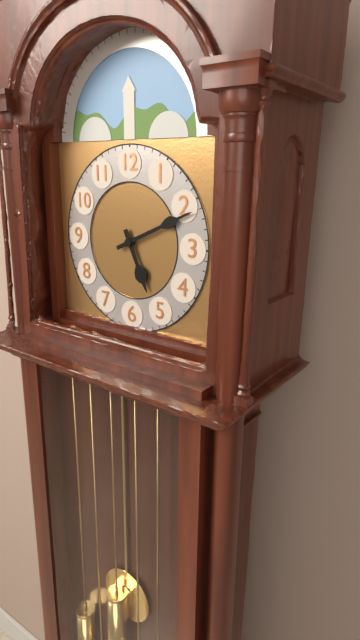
**5:11**
